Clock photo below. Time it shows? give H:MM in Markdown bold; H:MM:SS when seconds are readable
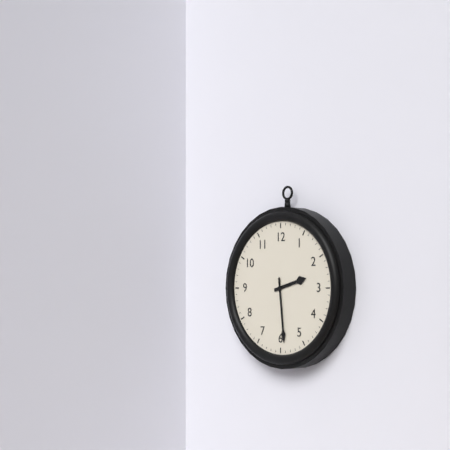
**2:29**
